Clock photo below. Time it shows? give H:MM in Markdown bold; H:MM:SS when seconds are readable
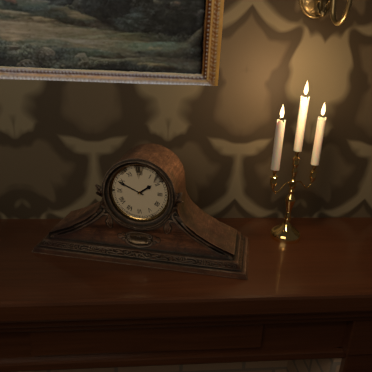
**1:49**
